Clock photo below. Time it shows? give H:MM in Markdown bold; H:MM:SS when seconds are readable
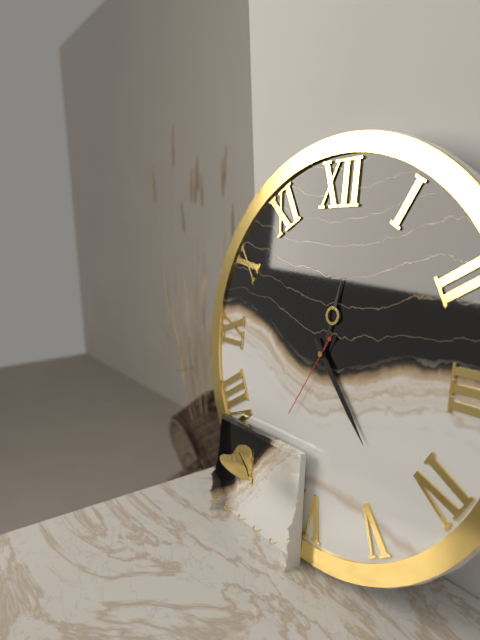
**12:23:35**
